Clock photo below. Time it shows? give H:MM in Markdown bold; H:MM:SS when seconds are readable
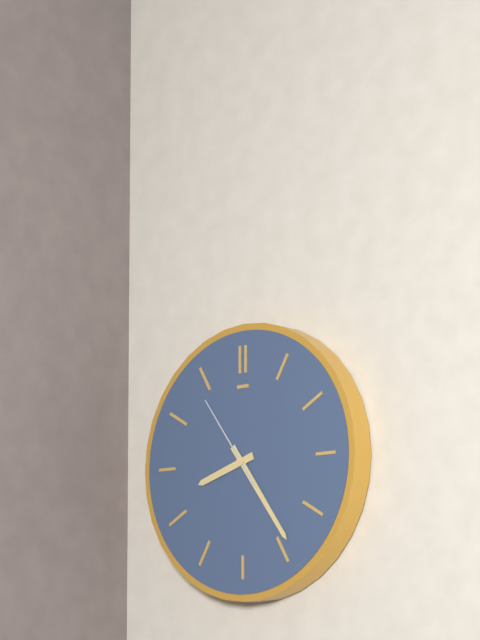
**8:24:54**
